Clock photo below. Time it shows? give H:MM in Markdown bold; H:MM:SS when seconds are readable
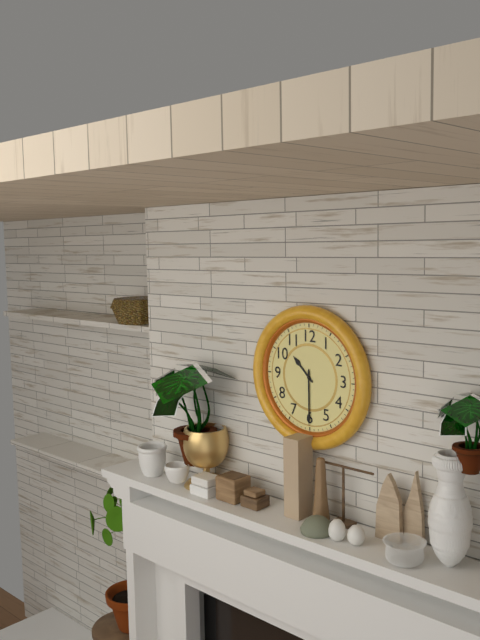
**10:30**
